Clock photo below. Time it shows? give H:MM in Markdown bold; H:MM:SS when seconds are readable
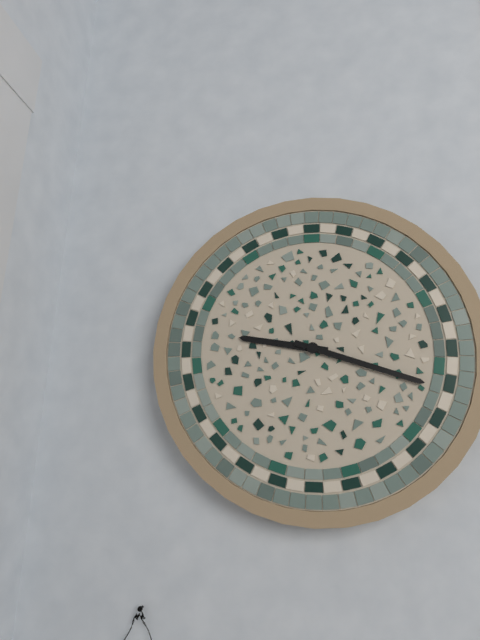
**9:18**
